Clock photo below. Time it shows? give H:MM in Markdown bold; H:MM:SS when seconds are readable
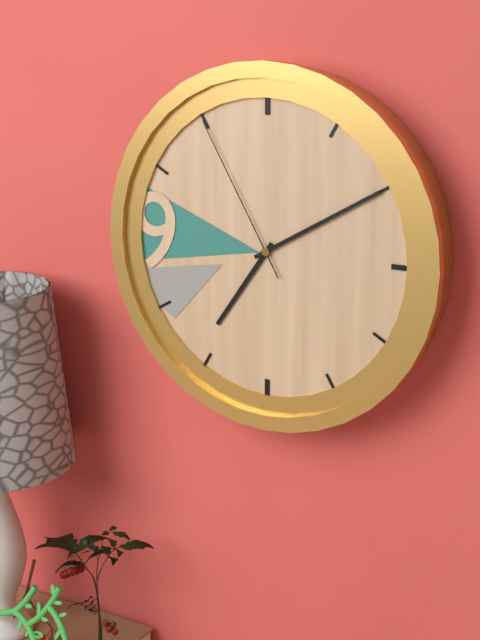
**7:10:55**
